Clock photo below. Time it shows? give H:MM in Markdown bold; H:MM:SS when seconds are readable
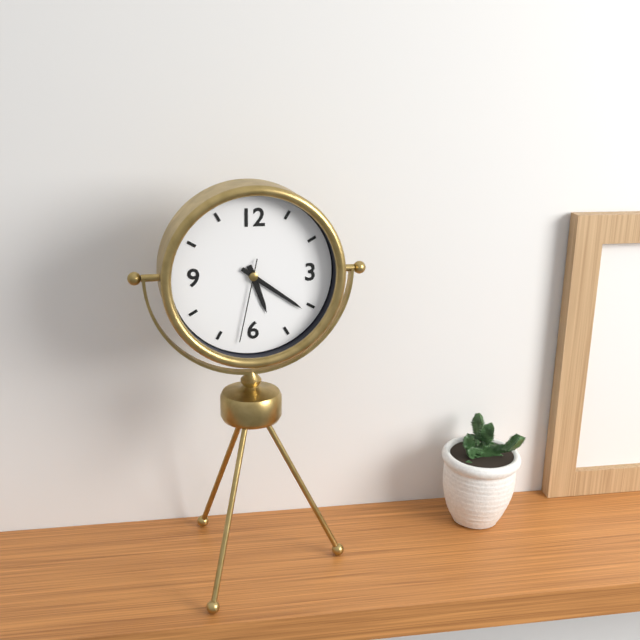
**5:21:32**
